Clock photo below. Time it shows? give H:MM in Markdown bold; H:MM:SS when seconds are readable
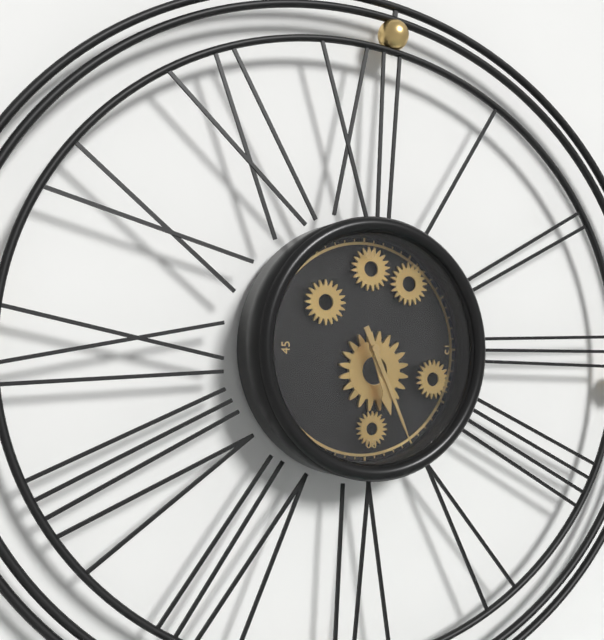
**5:26**
